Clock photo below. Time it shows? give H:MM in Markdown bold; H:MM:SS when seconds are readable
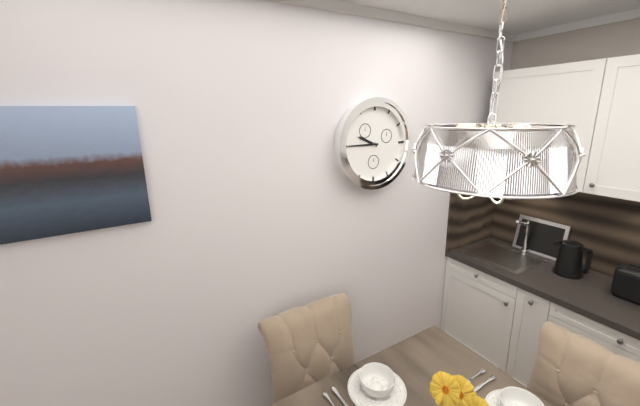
**9:45**
